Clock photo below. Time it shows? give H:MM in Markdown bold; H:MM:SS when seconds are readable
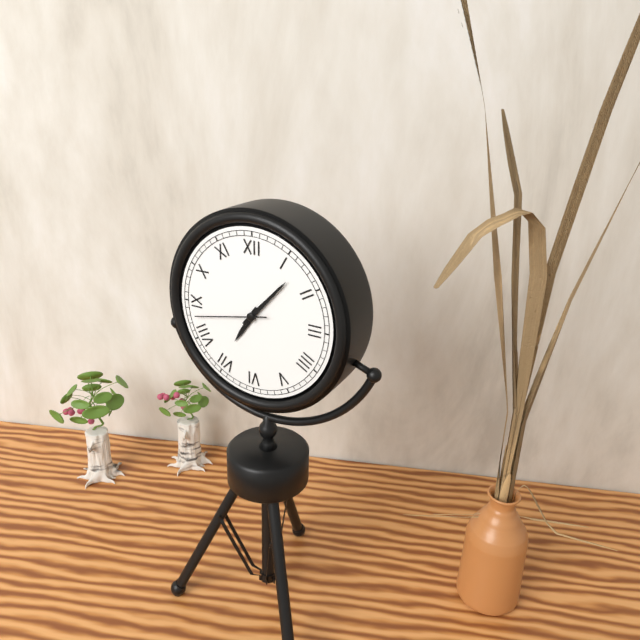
**7:07:43**
